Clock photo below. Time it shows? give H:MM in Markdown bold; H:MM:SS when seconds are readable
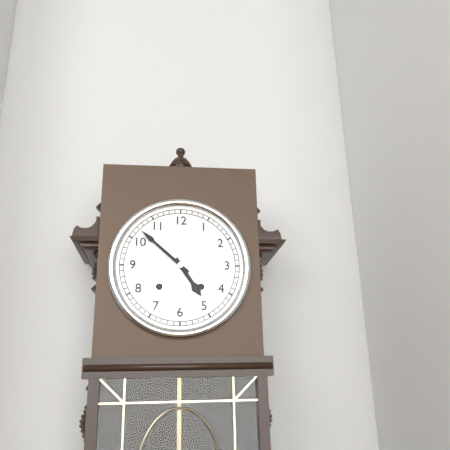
**4:52**
